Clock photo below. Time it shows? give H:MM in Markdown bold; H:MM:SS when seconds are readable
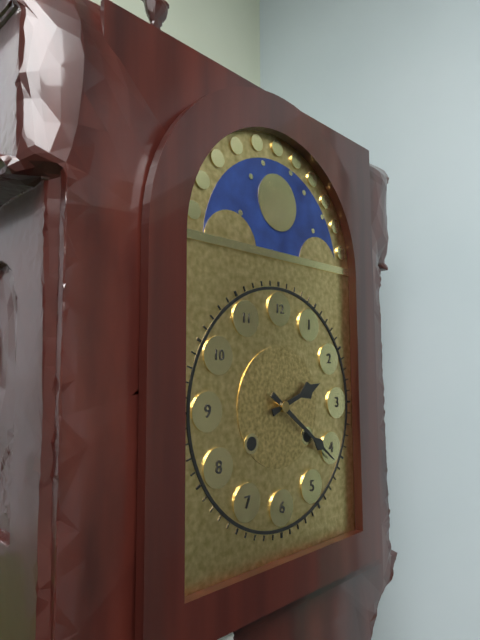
**2:21**
